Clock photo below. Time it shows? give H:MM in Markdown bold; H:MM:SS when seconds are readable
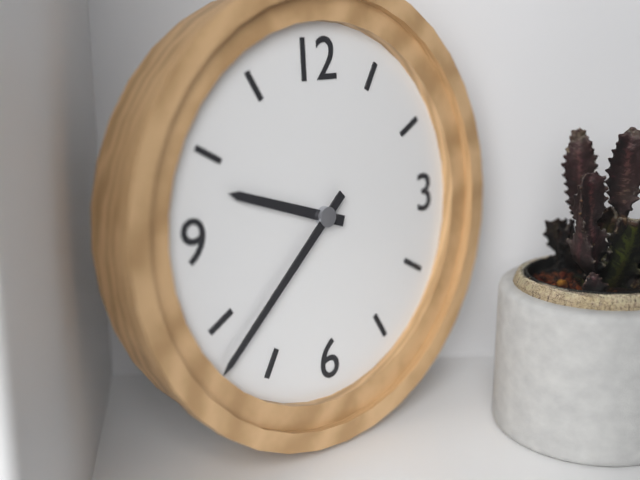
**9:38**
